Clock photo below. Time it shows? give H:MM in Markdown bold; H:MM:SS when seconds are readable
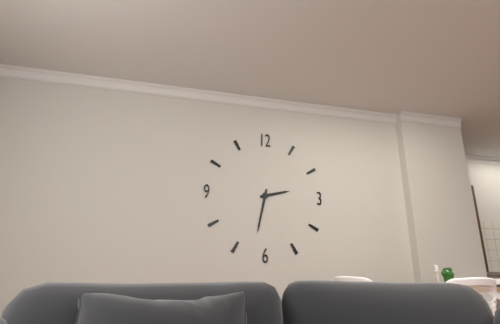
**2:32**
